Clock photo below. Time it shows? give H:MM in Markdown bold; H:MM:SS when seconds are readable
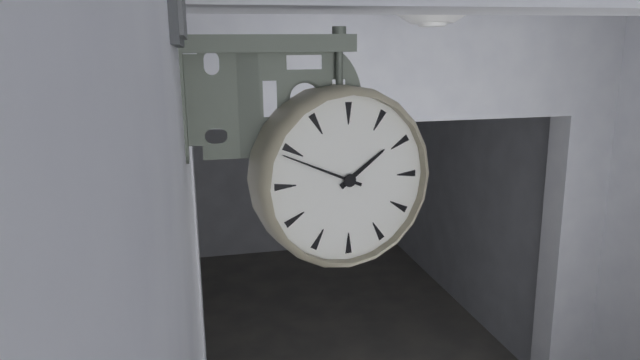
**1:49**
